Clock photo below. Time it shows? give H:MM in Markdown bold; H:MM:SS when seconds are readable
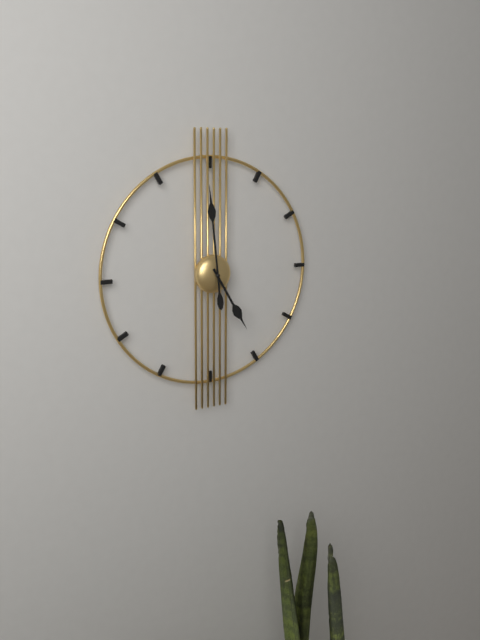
**4:59**
